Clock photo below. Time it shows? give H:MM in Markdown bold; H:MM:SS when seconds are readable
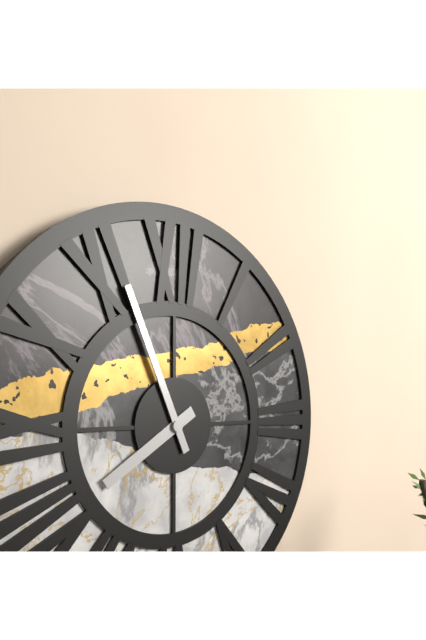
**7:56**
